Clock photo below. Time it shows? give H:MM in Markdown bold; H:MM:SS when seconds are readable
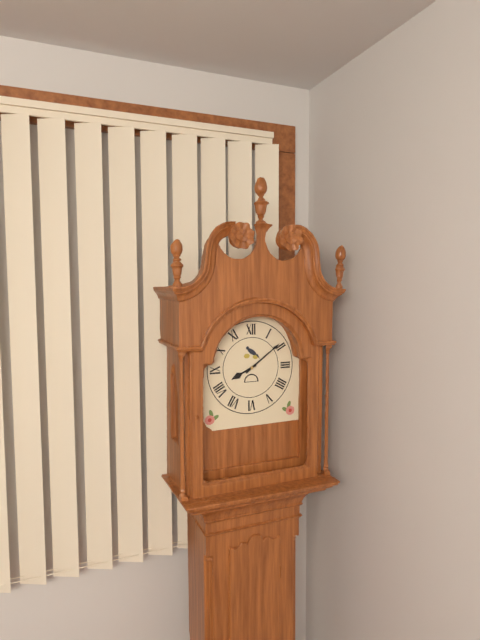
**8:09**
